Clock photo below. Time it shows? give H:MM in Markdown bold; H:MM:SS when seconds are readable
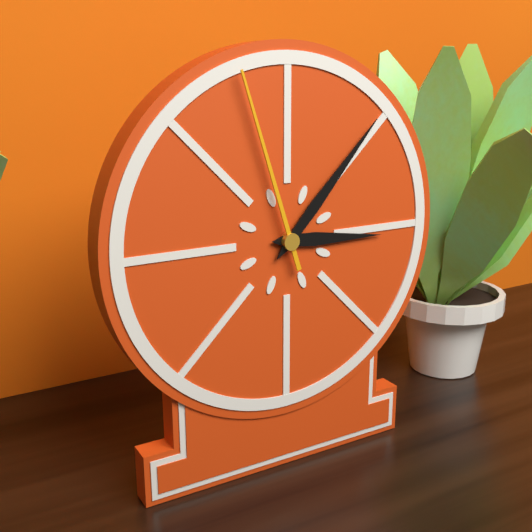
**3:07:57**
